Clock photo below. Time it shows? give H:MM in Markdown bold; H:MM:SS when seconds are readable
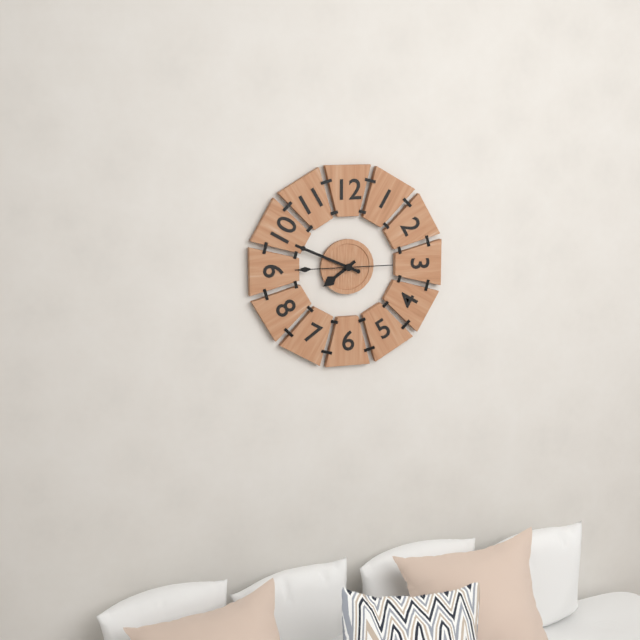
**7:49:45**
